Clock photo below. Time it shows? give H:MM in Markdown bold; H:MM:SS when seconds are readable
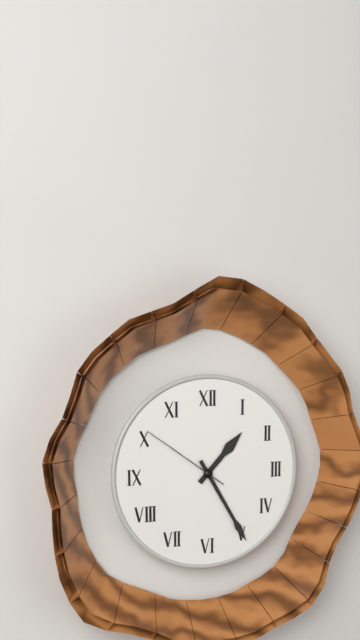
**1:25:51**
